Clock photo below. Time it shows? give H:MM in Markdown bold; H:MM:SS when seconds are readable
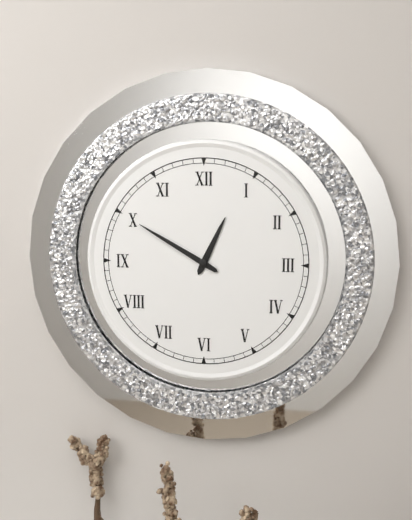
**12:50**
